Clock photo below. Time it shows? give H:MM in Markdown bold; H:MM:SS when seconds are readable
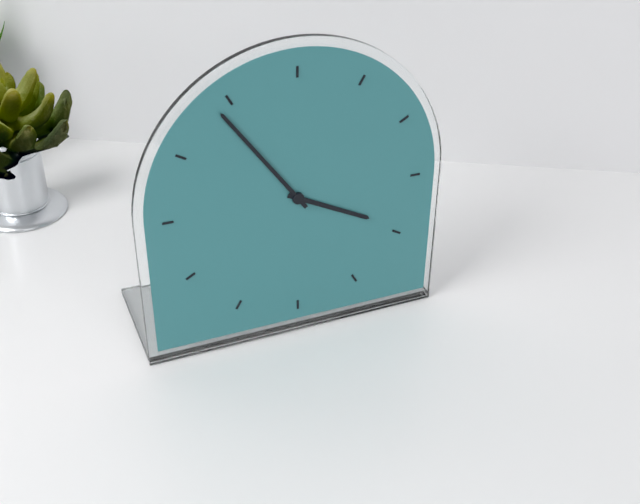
**3:54**
